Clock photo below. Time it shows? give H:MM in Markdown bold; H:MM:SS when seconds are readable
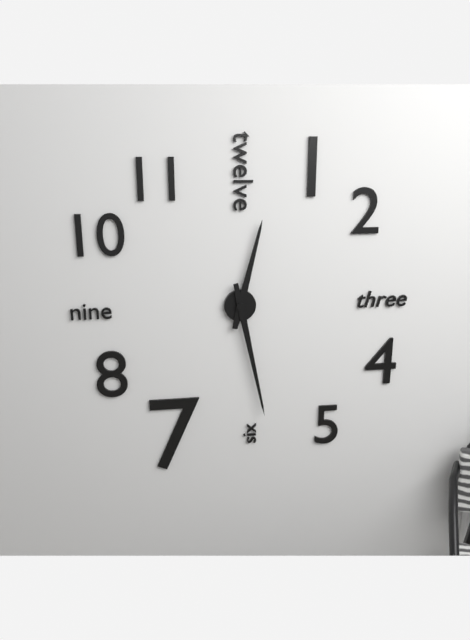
**12:28**
